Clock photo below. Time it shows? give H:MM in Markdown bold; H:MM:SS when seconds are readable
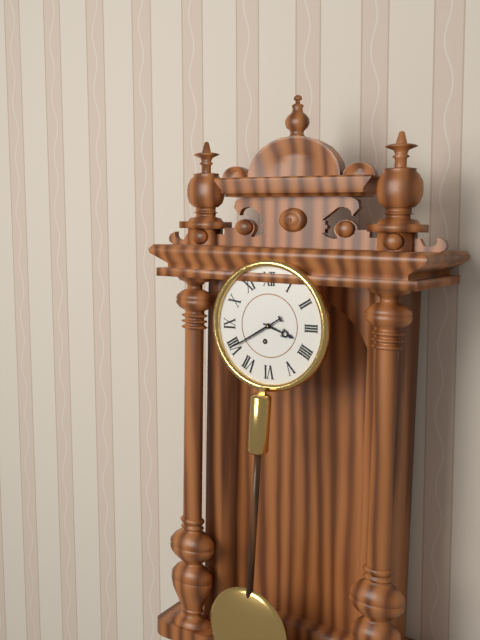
**3:40**
